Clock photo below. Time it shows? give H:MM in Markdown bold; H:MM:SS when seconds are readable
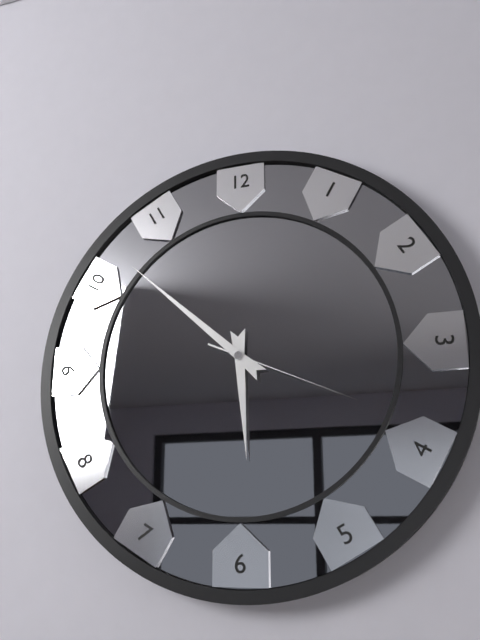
**5:52:19**
